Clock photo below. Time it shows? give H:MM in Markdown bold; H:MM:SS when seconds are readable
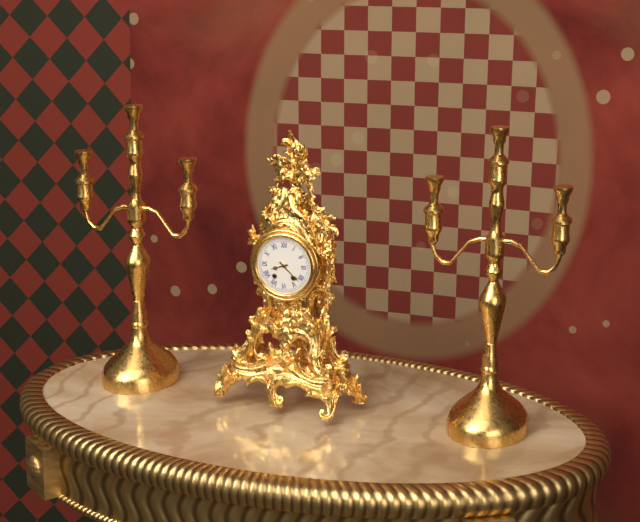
**8:22**
